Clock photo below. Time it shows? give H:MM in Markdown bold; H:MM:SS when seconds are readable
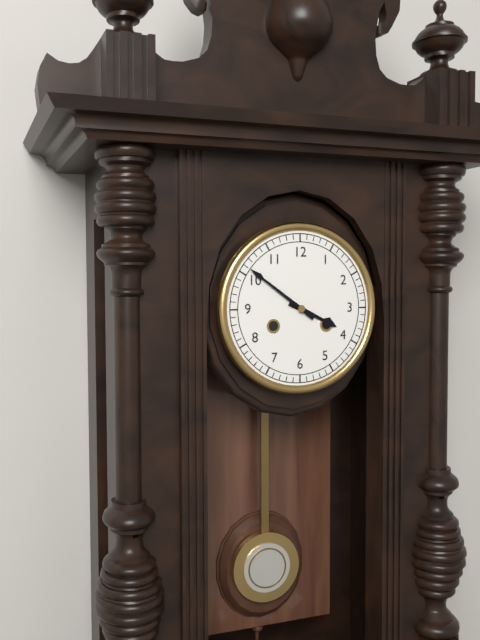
**3:51**
